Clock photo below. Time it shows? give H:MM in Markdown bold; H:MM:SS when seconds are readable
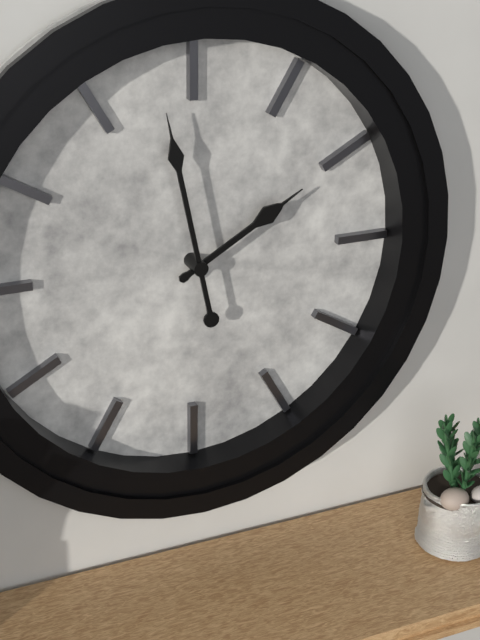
**1:58**
